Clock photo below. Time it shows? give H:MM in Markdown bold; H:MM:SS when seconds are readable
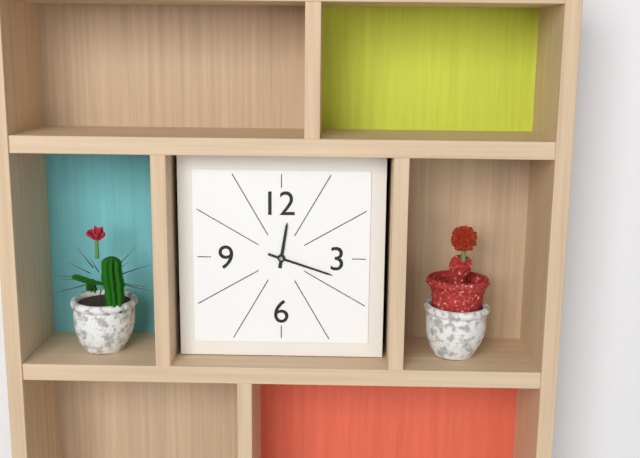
**12:18**
